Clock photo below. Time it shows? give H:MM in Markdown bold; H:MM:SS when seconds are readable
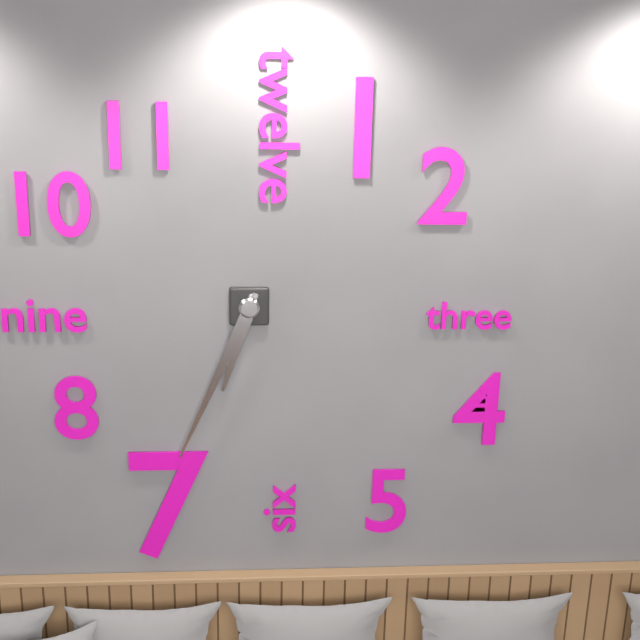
**6:34**
